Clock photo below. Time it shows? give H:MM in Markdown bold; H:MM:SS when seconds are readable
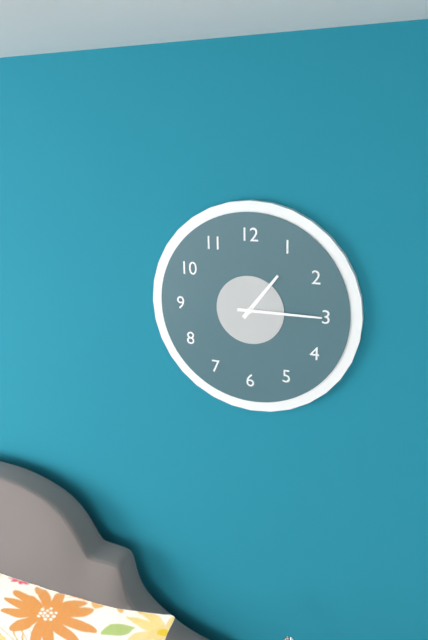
**1:15**
